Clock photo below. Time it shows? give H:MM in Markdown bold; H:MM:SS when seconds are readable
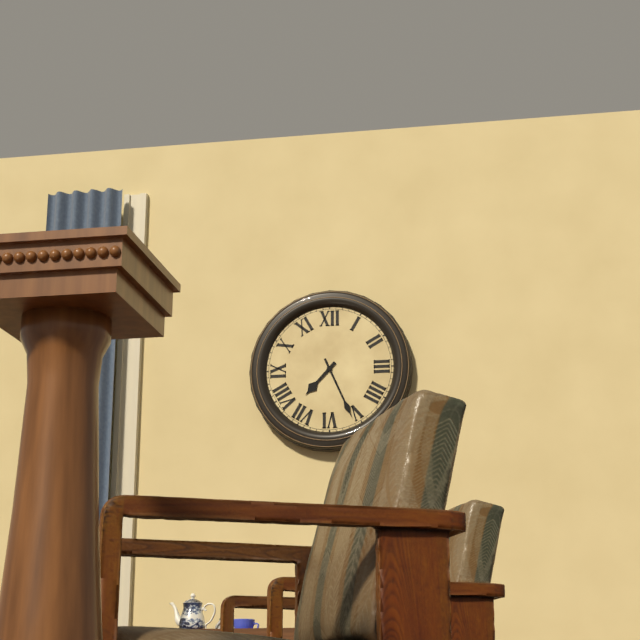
**7:26**
